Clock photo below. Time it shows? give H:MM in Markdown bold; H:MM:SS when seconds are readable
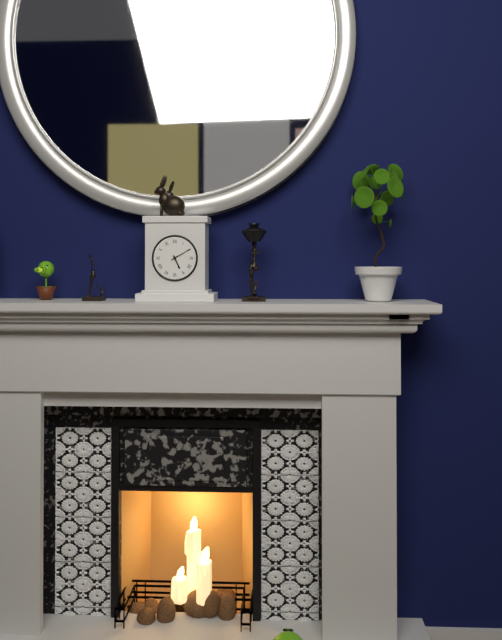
**5:10**
